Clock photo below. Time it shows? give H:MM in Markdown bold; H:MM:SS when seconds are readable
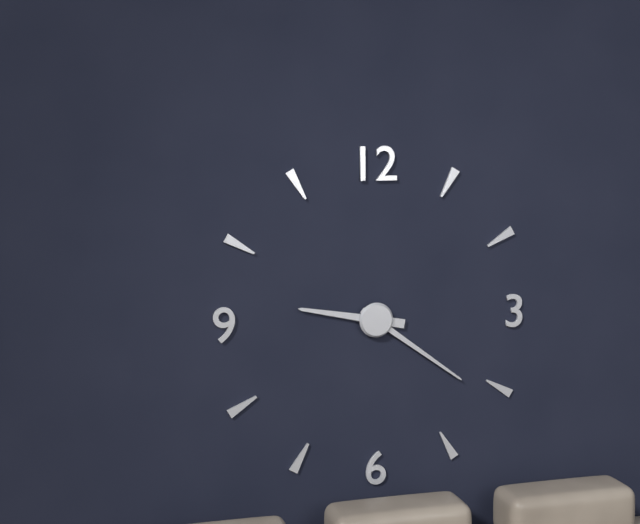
**9:21**
